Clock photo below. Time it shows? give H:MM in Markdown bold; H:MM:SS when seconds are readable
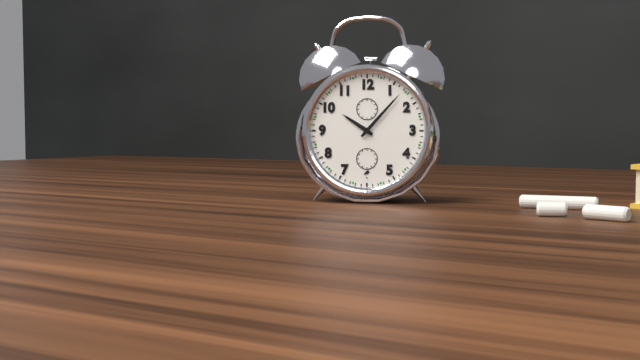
**10:07**
